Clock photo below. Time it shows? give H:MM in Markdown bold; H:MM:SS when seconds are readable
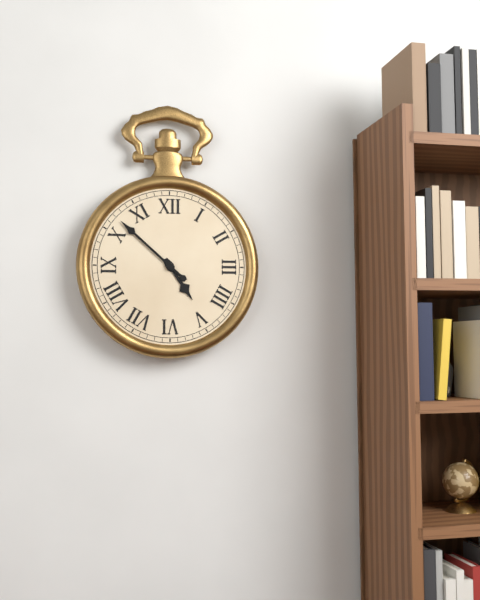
**4:52**
